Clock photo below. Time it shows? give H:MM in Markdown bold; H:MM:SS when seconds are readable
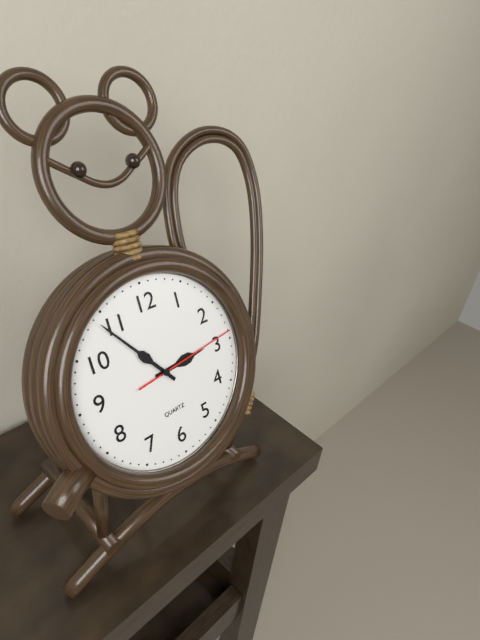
**2:54:14**
